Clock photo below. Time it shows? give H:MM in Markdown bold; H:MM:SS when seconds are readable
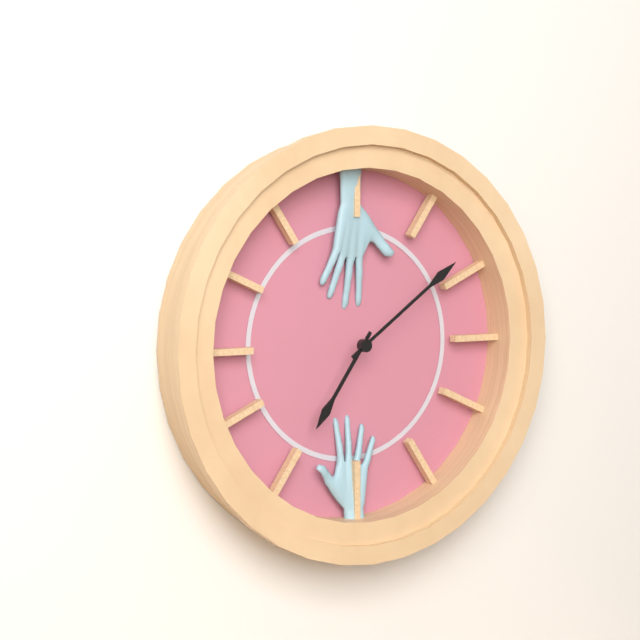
**7:09**
